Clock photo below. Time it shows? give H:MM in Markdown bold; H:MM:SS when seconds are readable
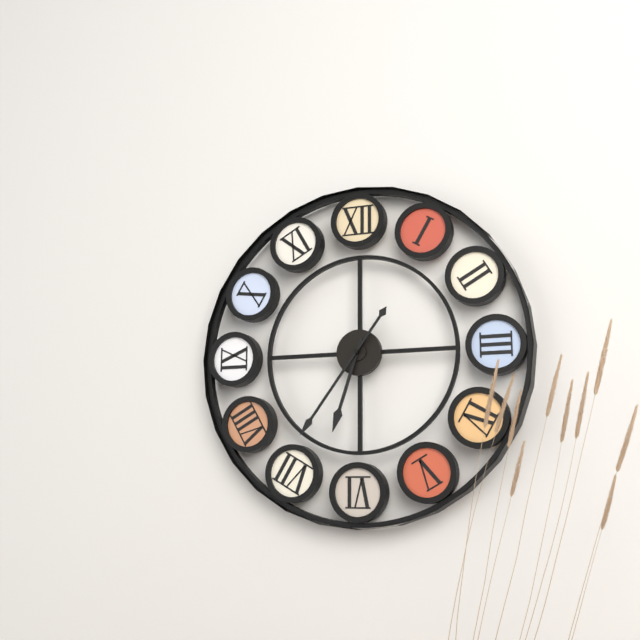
**6:36**
